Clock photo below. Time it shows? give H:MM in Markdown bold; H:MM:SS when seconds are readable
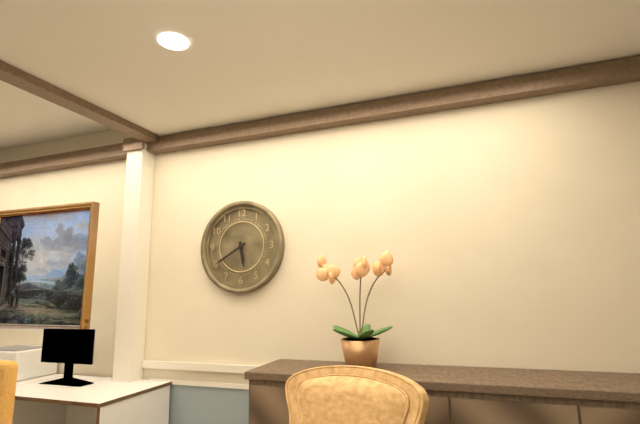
**5:40**
